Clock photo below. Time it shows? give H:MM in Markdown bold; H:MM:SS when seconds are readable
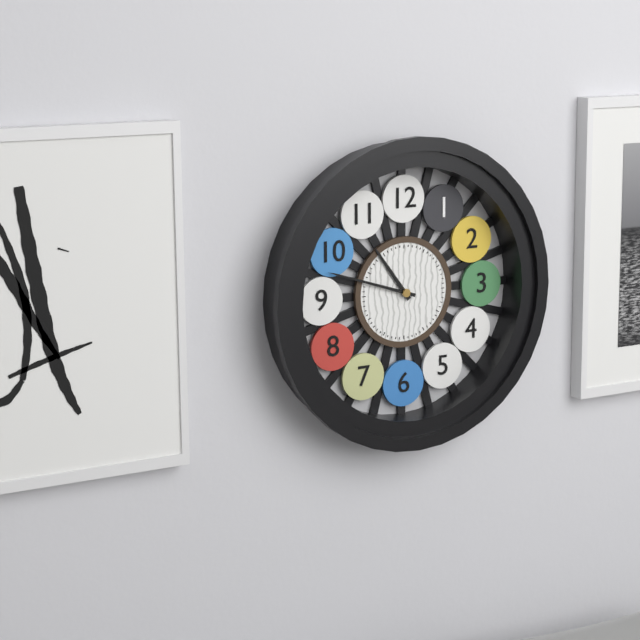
**10:48**
